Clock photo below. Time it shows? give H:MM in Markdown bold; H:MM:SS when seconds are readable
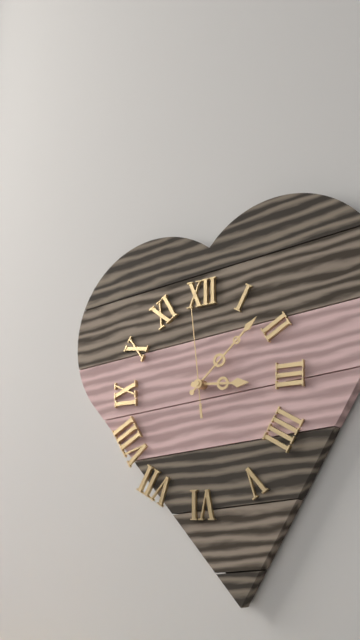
**3:08:59**
